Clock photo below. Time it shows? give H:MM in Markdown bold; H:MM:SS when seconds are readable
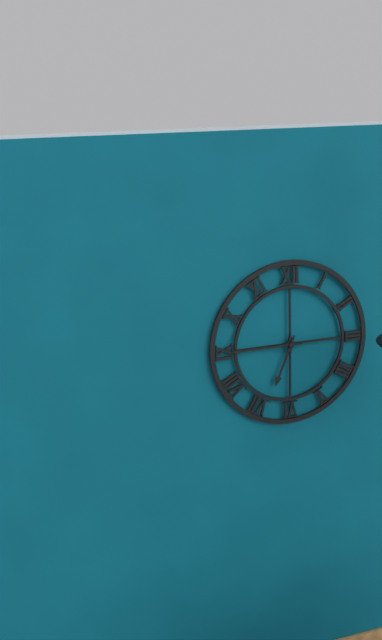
**6:45**
